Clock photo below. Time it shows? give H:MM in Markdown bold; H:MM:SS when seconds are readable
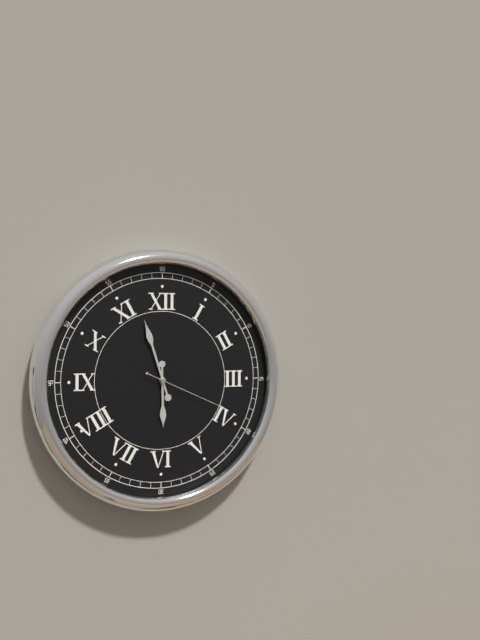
**5:57:19**
